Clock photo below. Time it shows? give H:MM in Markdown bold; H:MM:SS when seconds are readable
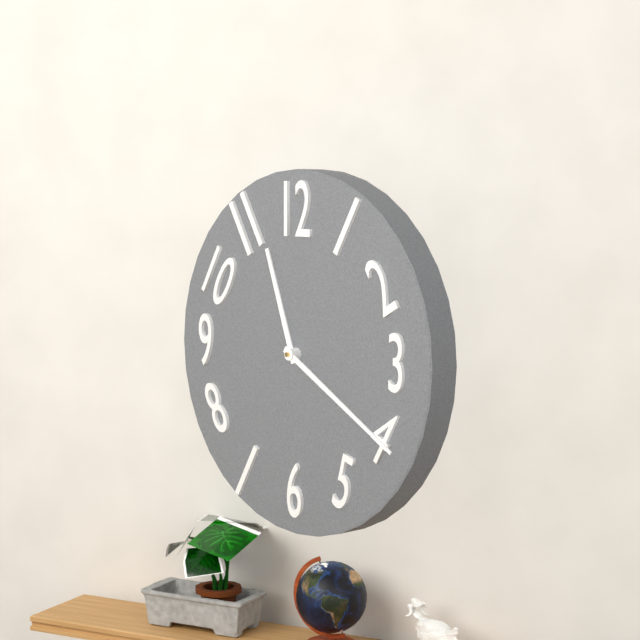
**11:20**
